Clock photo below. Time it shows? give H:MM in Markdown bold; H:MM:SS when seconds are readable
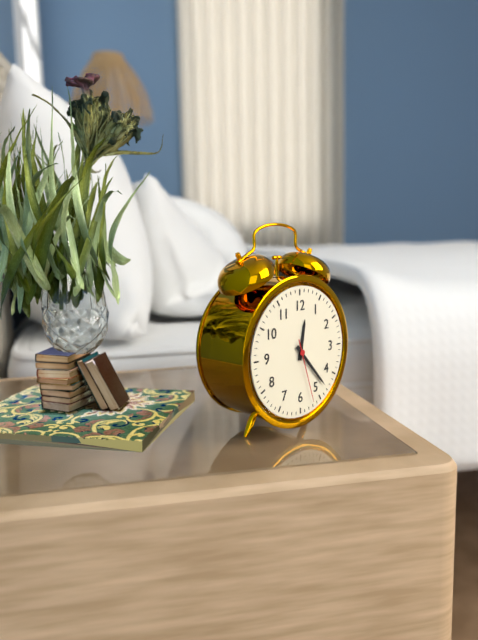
**12:23:27**
